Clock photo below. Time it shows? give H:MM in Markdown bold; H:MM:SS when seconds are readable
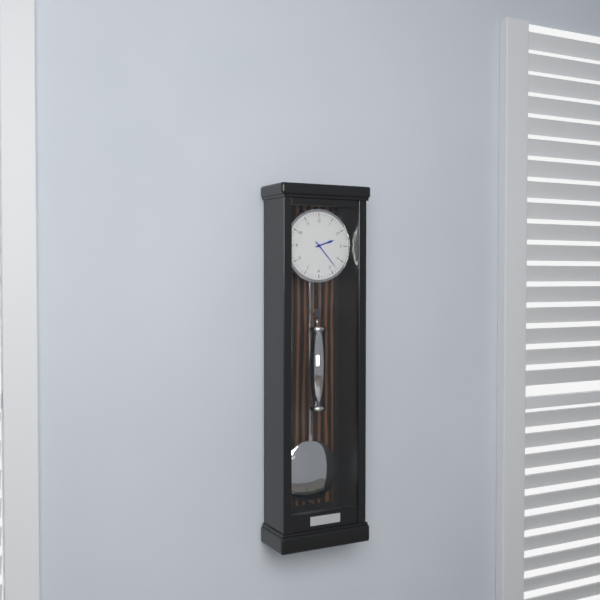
**2:23**
